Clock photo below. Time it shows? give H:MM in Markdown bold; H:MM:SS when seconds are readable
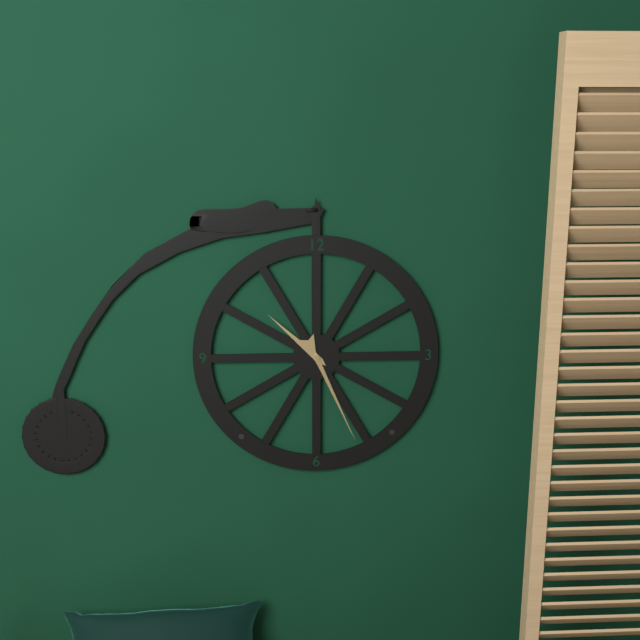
**10:26**
